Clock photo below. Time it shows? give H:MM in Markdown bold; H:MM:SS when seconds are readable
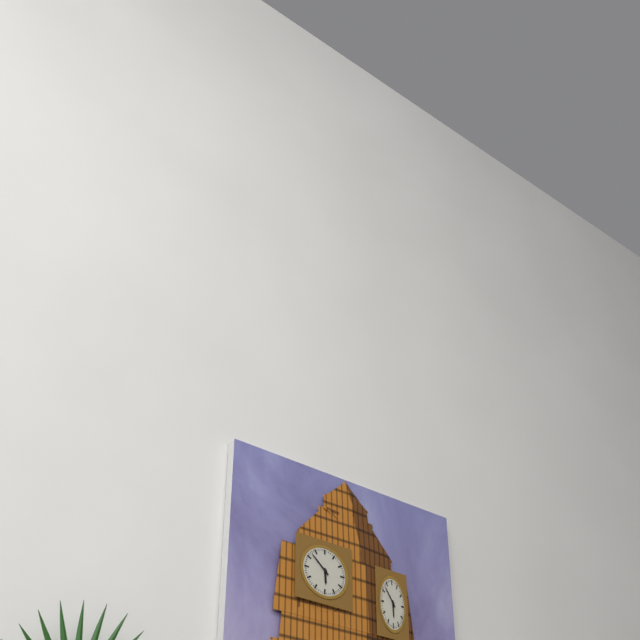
**5:52**
